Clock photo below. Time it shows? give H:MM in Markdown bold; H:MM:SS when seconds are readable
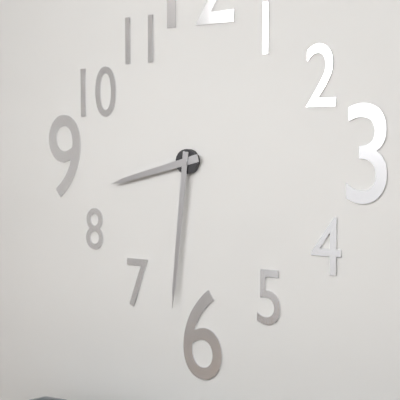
**8:31**
